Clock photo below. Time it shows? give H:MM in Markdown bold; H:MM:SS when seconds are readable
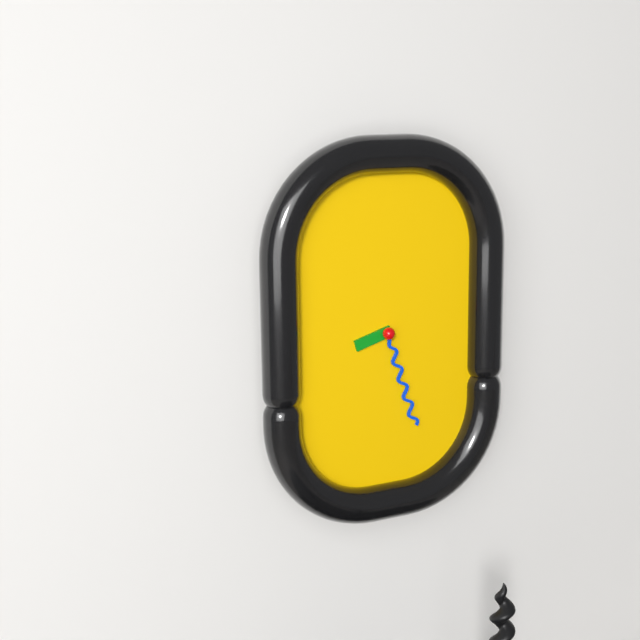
**8:27**
